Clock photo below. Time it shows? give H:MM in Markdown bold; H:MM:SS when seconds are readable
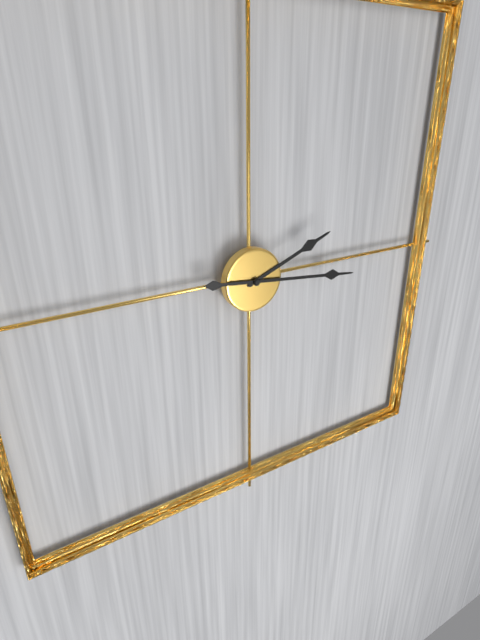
**2:16**
